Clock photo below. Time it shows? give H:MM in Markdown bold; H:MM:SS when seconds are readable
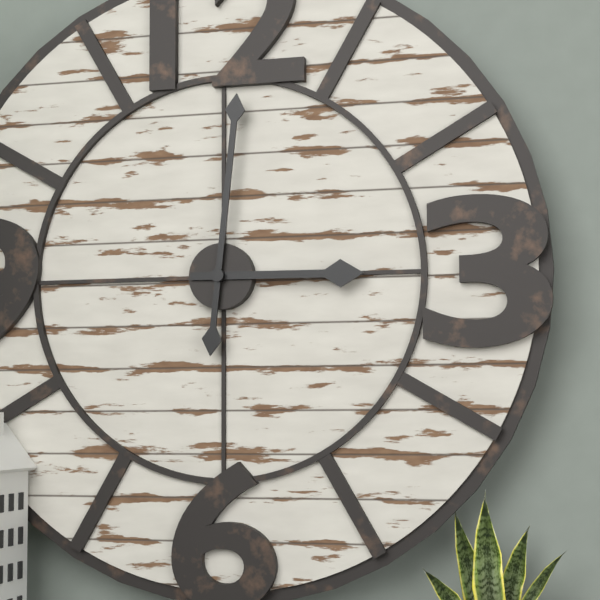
**3:01**
